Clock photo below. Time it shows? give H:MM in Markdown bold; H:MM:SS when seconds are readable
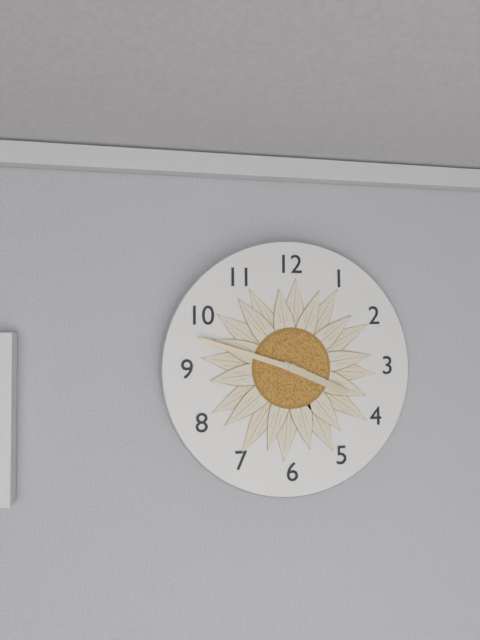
**3:48**
